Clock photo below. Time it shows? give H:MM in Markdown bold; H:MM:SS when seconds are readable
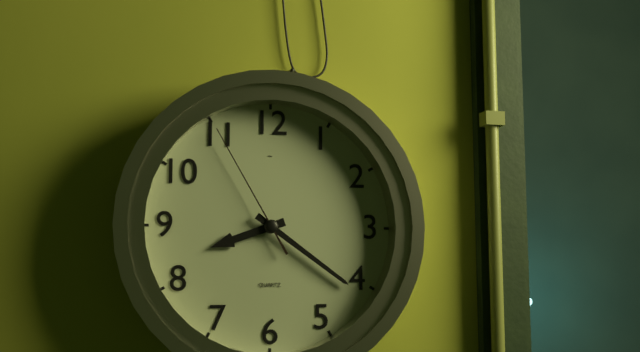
**8:21:55**
